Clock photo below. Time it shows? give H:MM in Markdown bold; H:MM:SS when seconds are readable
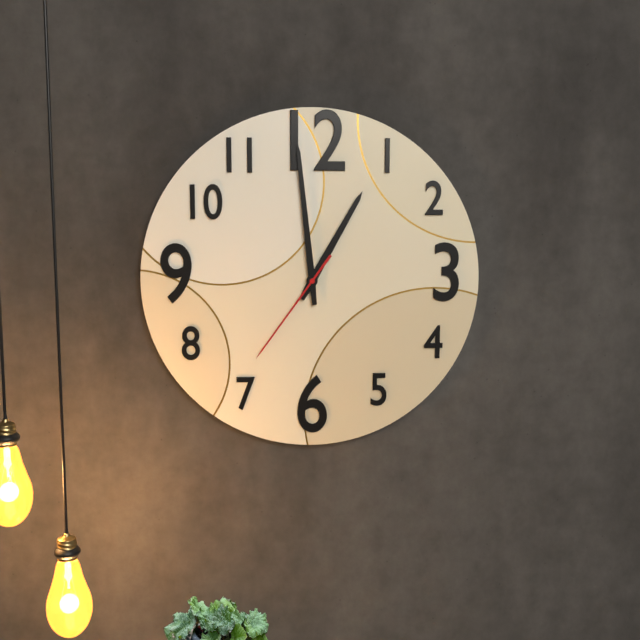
**12:59:36**
